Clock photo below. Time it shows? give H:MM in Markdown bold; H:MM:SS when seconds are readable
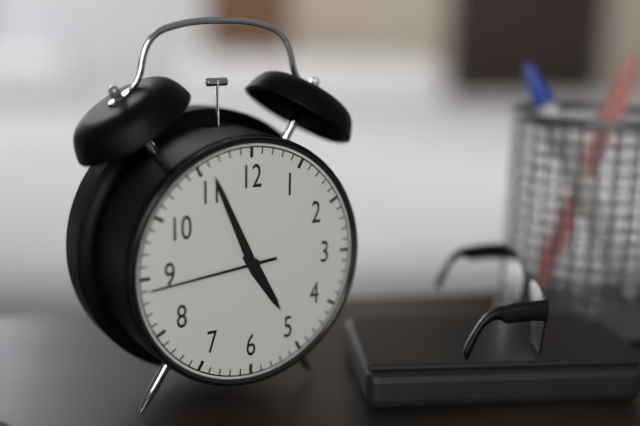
**4:56:44**
